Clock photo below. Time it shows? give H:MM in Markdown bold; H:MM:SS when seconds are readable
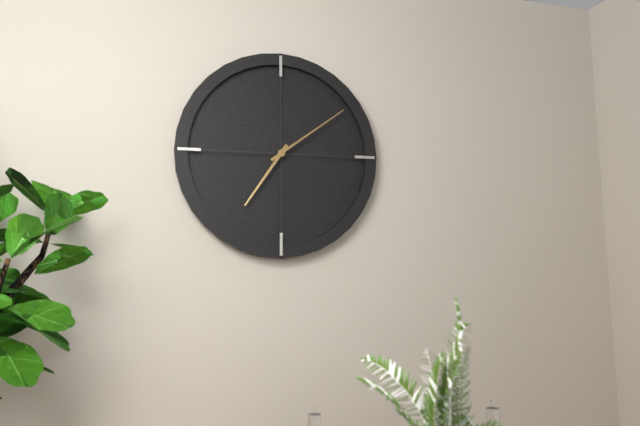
**7:09**
